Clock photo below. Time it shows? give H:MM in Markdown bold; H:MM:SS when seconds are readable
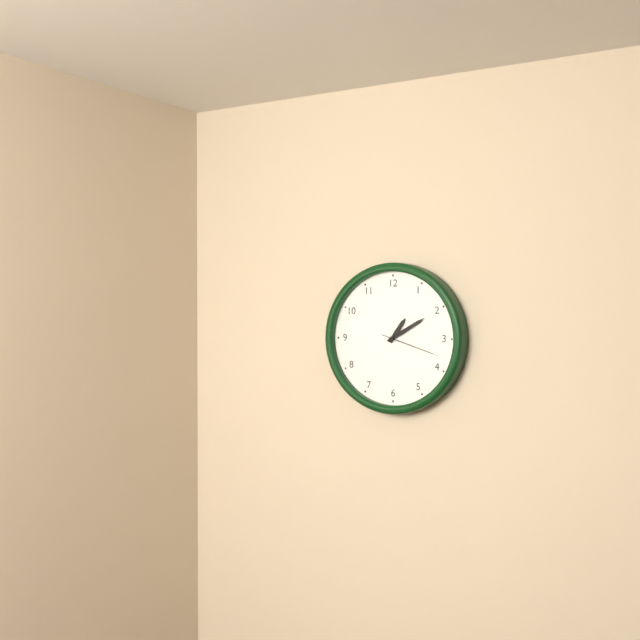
**1:10:18**
